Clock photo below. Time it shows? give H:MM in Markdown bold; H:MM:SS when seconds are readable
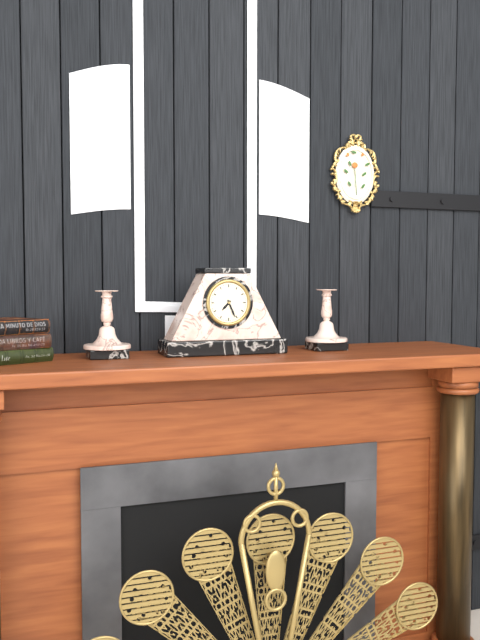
**7:26**
